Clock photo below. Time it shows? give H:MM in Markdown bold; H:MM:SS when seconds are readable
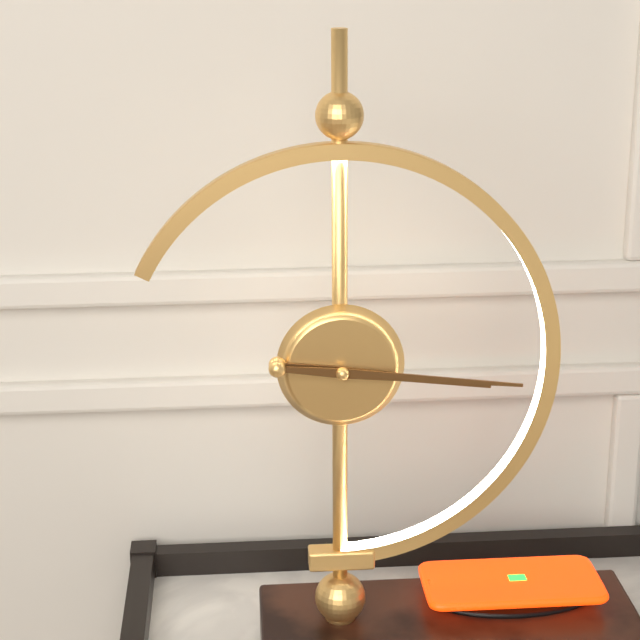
**3:16**
